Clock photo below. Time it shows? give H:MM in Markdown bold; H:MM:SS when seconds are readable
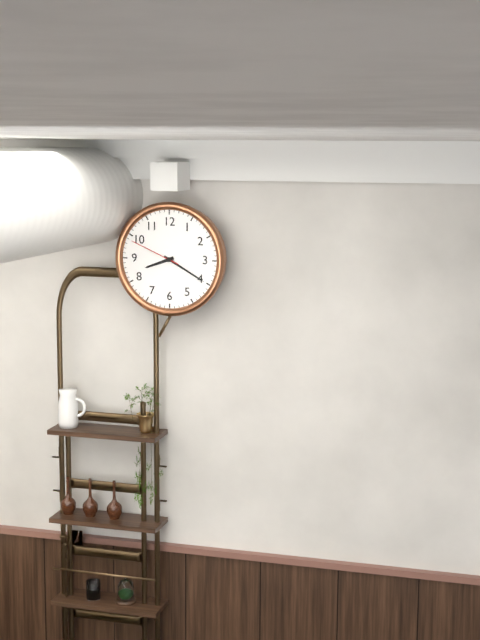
**8:20:49**
